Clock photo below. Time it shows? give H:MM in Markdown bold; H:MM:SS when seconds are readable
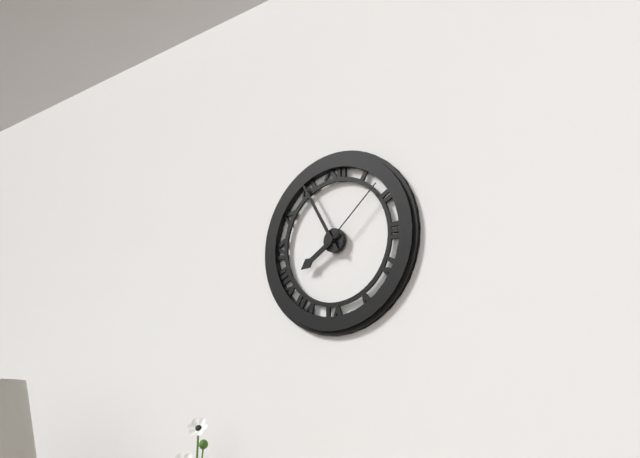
**7:55:08**
